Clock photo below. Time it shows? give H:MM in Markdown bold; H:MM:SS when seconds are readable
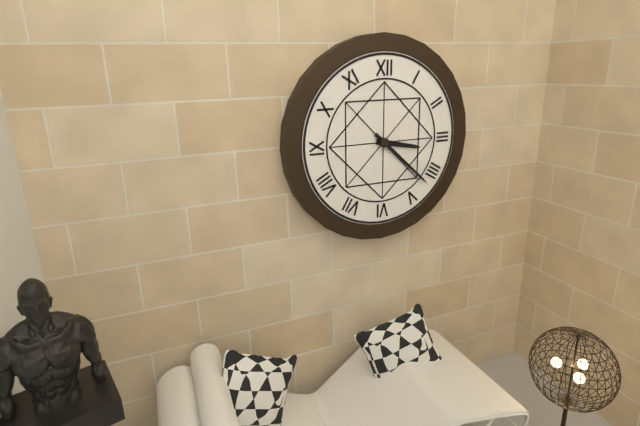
**3:22**
